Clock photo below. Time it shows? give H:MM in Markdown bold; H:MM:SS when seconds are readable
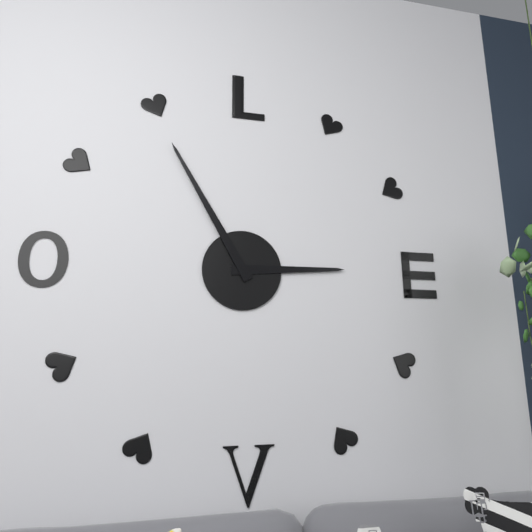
**2:55**
